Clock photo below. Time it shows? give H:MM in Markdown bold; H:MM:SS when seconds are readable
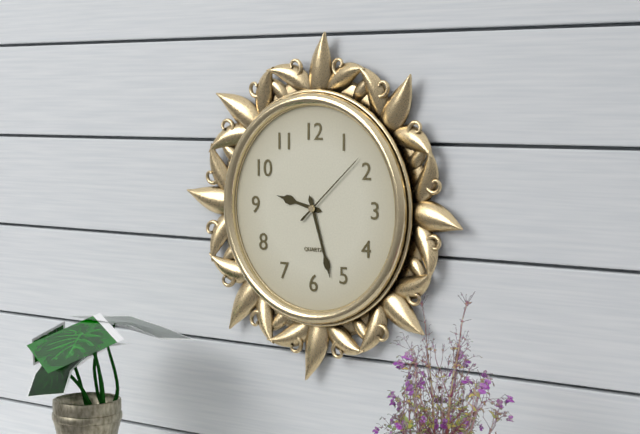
**9:27:08**
